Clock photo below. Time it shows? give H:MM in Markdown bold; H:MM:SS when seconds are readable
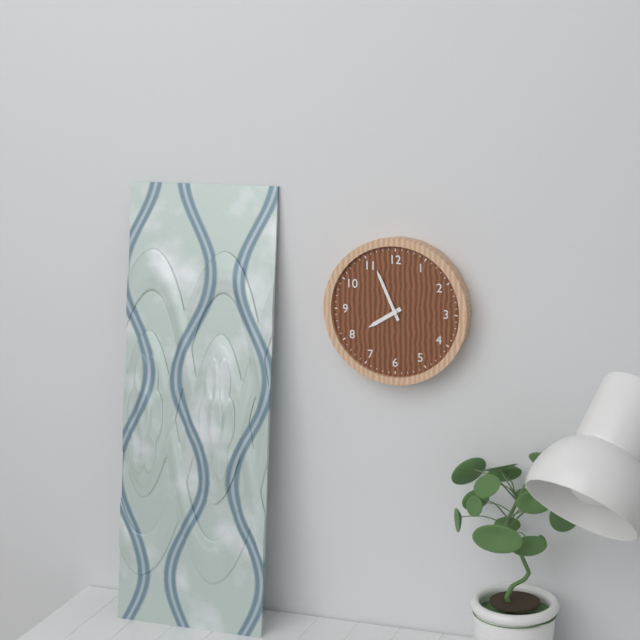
**7:56**
